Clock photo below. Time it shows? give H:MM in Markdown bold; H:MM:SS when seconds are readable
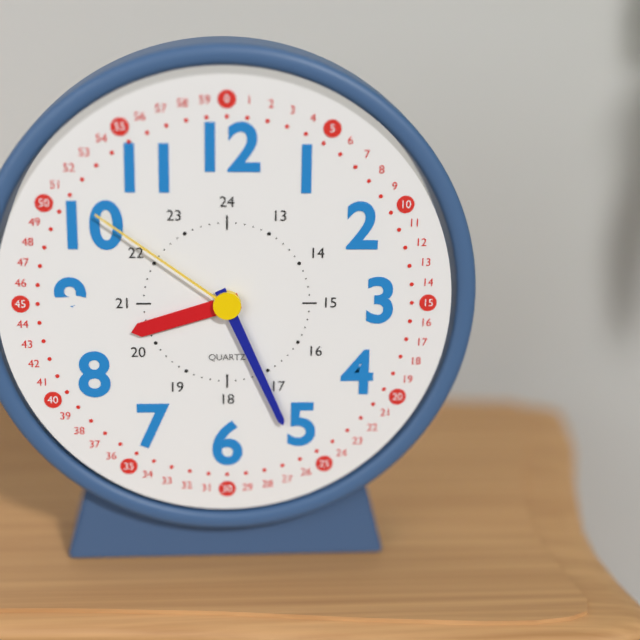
**8:26:51**
